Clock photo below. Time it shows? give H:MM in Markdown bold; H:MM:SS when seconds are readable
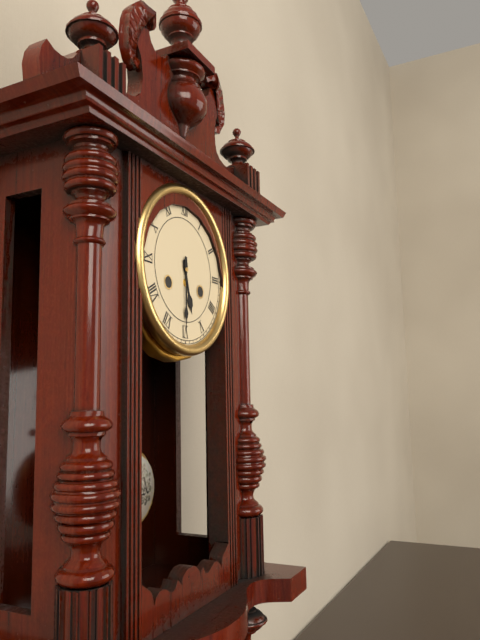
**5:30**
